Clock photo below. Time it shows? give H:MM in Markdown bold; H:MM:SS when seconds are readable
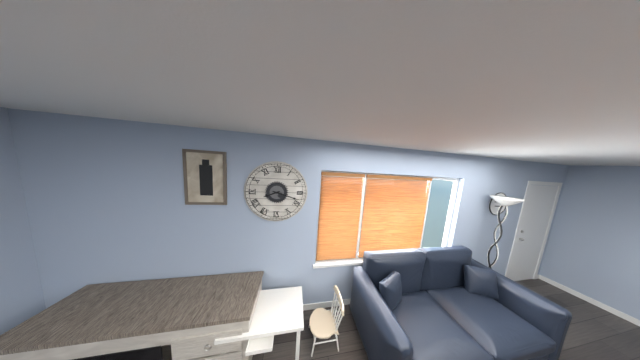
**8:18**
